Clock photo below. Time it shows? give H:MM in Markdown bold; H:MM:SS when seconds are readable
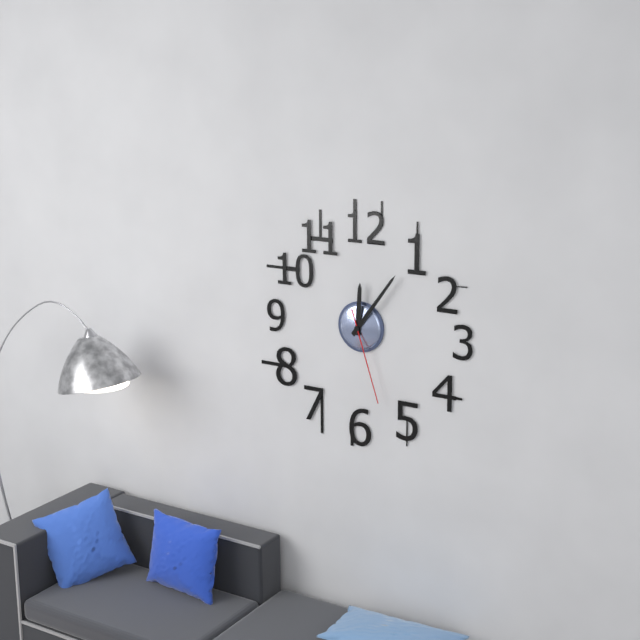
**12:06:27**
